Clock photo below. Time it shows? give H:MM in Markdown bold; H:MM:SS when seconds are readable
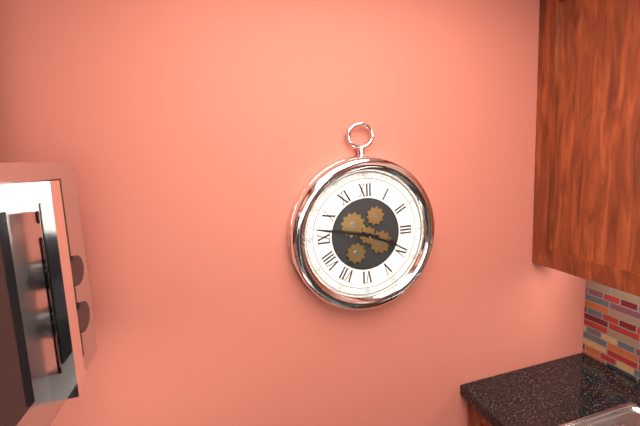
**3:47**
